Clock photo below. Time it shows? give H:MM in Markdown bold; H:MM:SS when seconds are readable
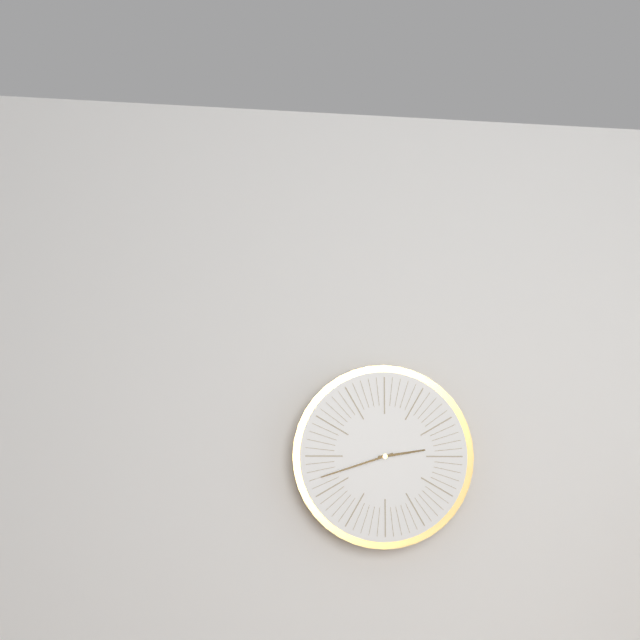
**2:42**
